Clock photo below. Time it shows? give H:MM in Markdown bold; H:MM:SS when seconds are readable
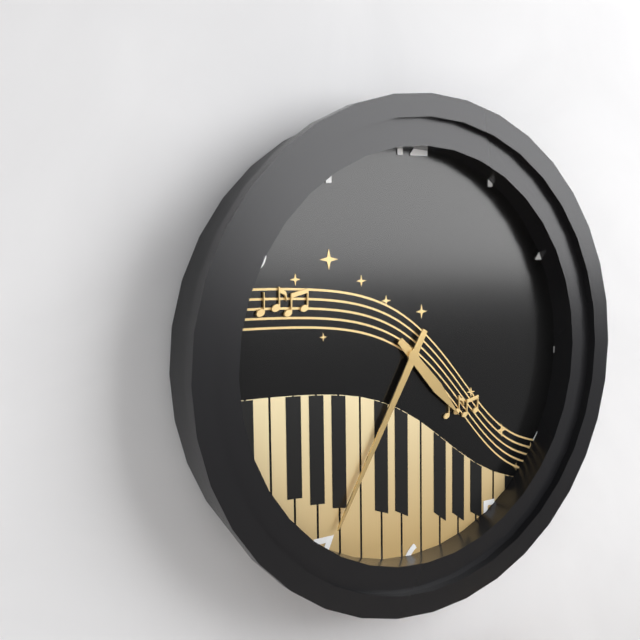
**4:35**
